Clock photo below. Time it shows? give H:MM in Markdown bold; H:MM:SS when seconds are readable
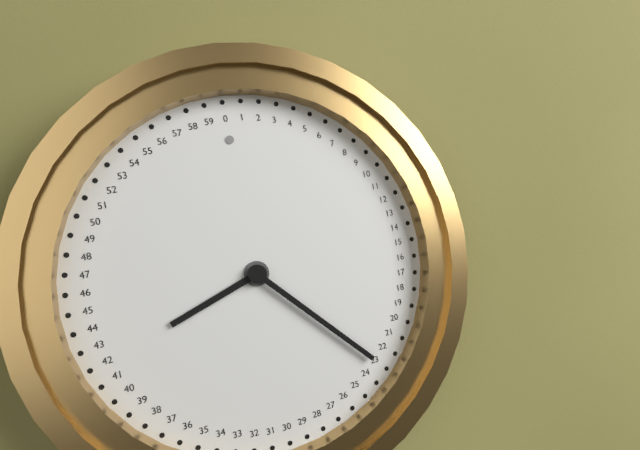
**8:23**
